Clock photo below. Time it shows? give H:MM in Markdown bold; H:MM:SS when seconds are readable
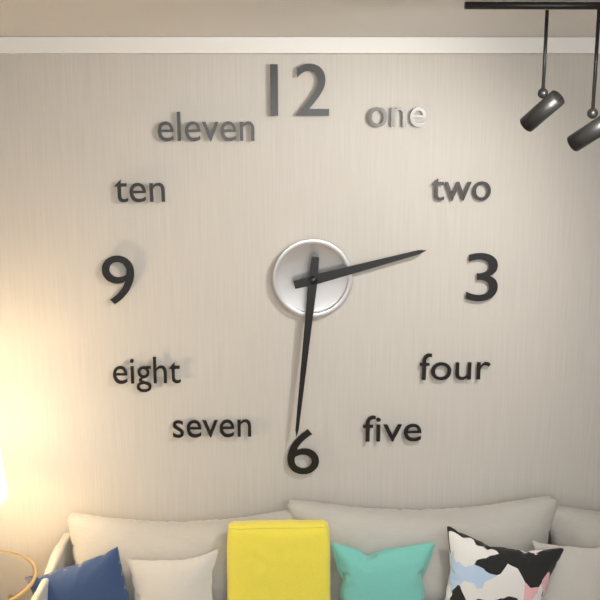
**2:31**
